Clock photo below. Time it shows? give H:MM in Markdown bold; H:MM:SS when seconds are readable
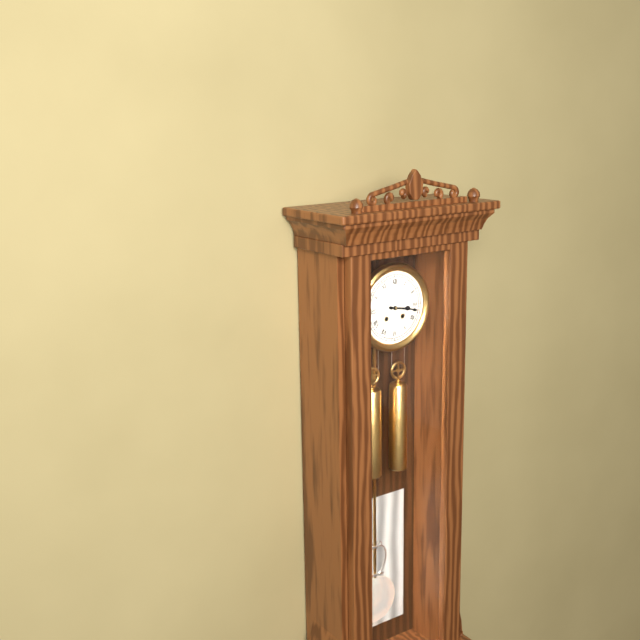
**3:17**
